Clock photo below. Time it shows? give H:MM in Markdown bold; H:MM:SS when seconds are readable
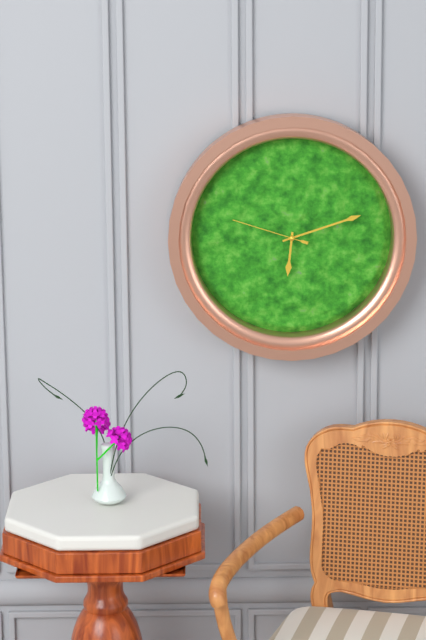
**6:12:48**
